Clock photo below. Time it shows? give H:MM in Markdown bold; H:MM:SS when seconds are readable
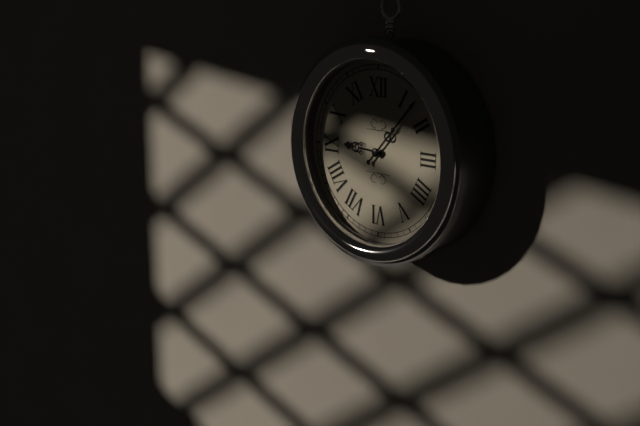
**9:07**
